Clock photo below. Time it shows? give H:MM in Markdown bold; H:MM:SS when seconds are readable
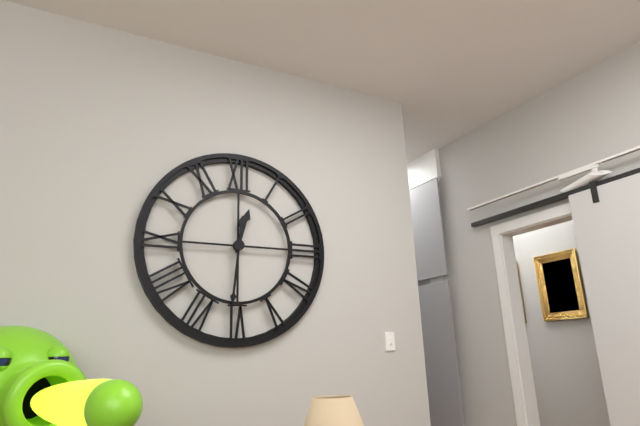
**12:31**
